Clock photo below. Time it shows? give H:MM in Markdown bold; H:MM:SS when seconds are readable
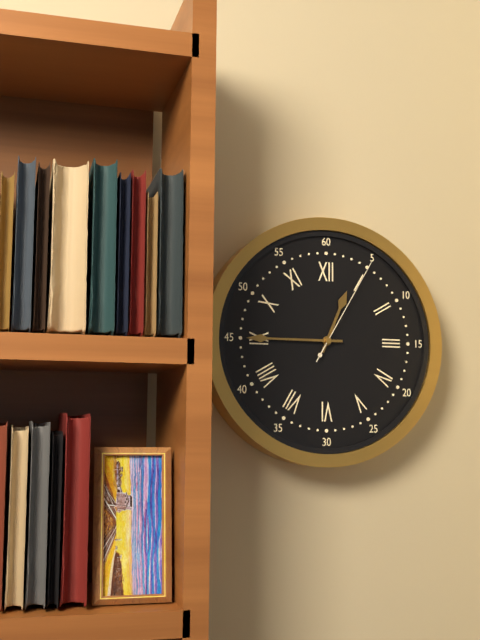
**12:45:05**
